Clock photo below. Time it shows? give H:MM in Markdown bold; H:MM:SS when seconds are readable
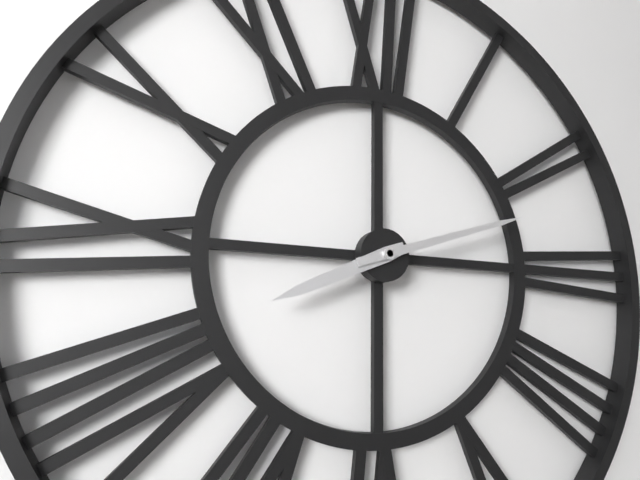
**8:12**
